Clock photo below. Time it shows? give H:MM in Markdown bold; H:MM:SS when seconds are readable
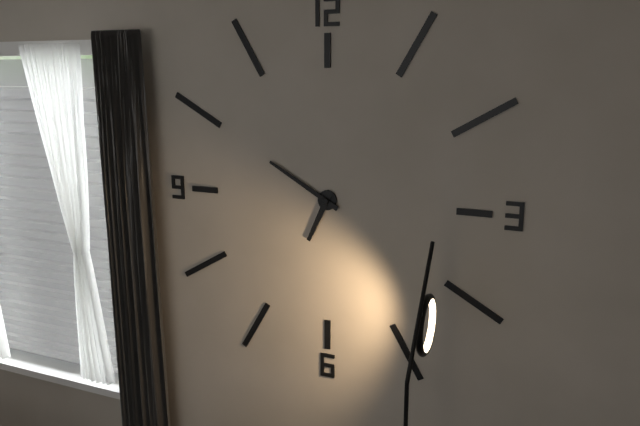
**6:50**
